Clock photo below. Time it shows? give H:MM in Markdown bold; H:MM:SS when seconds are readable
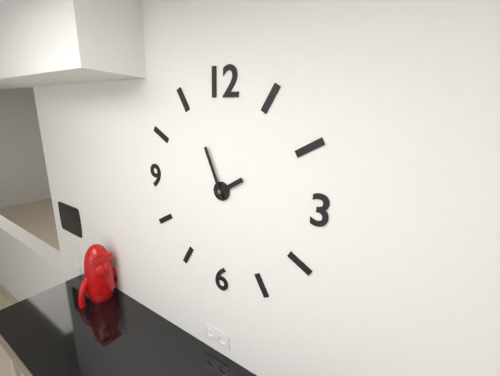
**1:56**
